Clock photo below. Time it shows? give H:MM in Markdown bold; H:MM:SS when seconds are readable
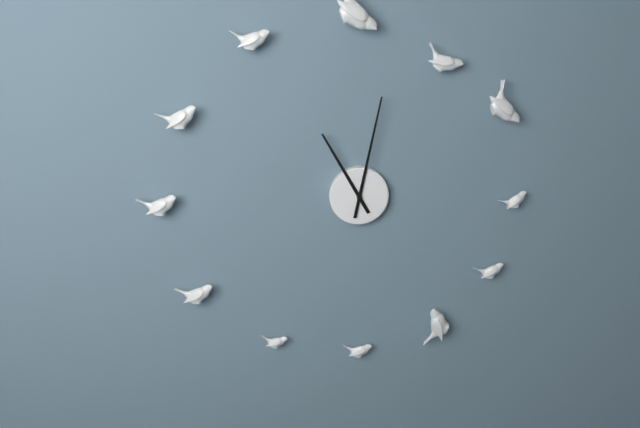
**11:02**
